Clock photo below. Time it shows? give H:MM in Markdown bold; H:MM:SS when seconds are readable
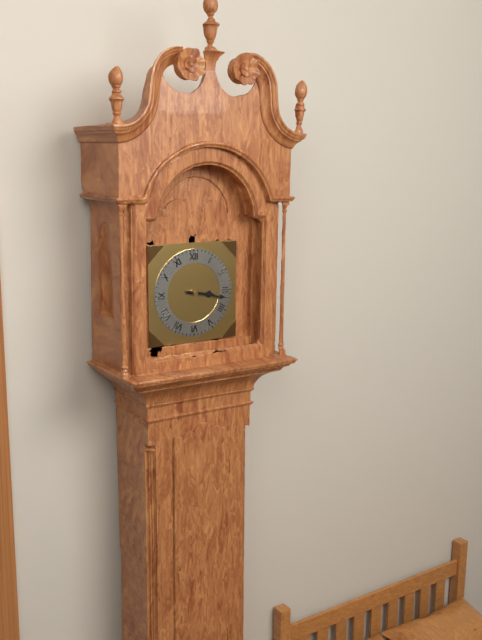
**3:17**
